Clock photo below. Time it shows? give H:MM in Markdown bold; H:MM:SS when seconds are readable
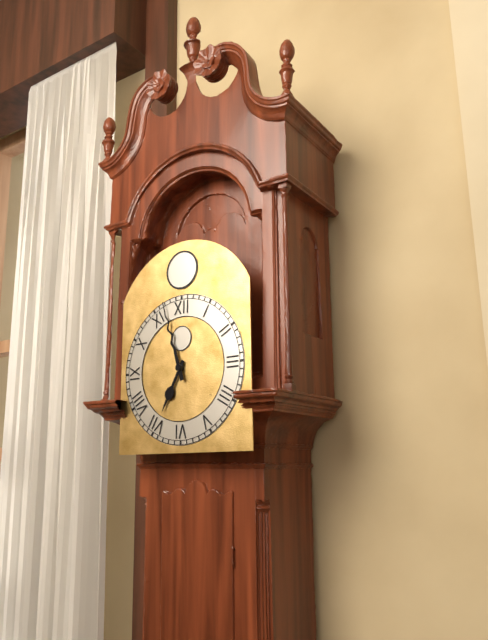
**6:57**
